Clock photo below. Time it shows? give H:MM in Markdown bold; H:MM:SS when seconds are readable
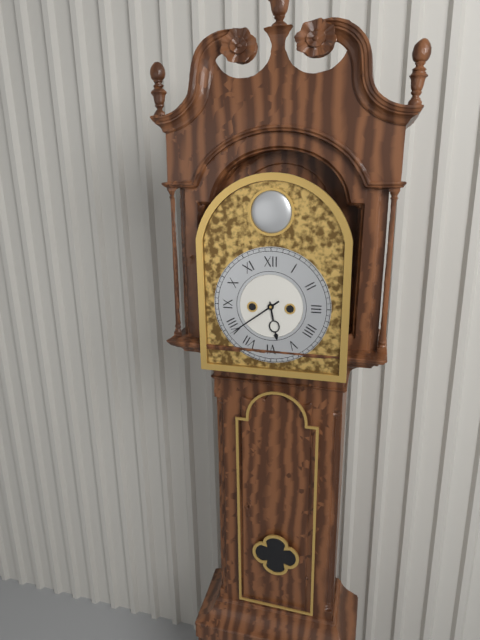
**5:39**
